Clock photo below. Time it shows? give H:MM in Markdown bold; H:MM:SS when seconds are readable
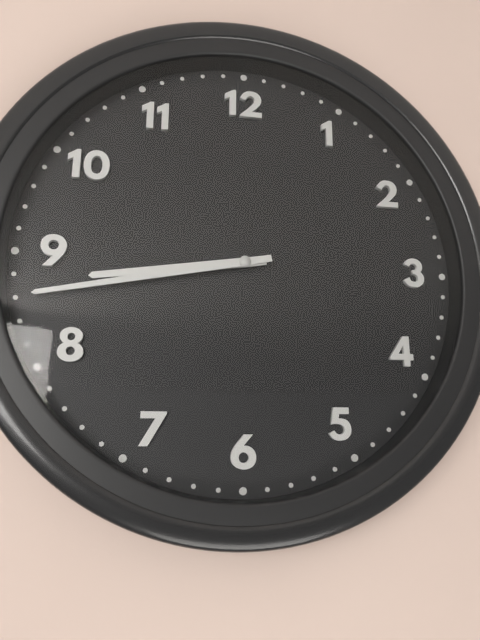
**8:43**
